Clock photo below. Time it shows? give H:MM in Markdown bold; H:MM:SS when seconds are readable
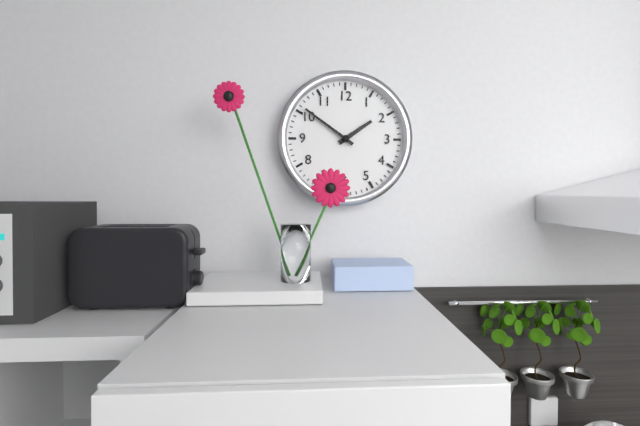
**1:51**
